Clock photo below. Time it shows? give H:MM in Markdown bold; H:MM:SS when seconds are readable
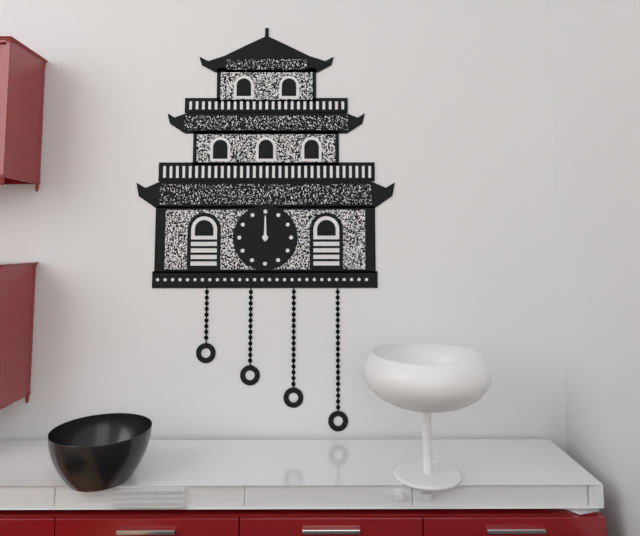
**12:00**
